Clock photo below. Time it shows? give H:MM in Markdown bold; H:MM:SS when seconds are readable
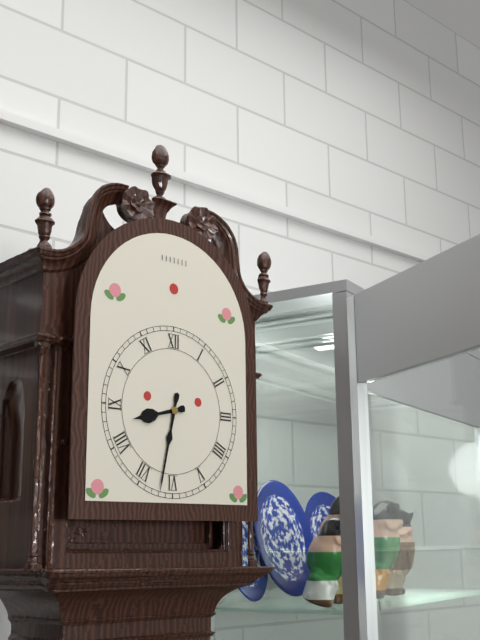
**8:32**
